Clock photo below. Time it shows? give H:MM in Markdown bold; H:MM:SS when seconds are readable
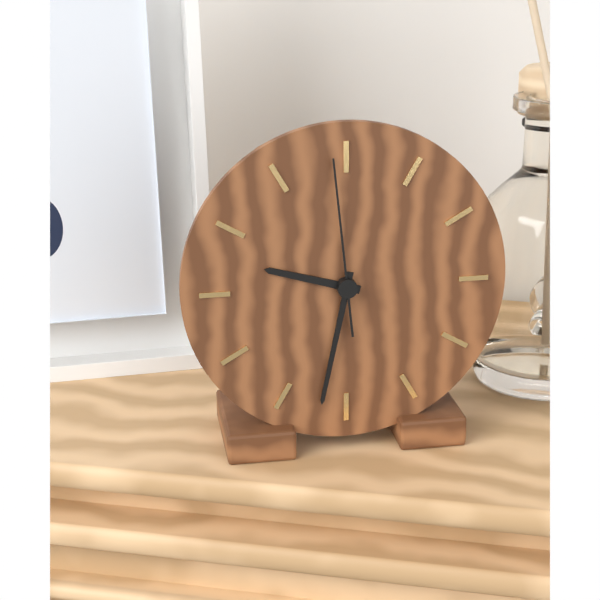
**9:32:59**
